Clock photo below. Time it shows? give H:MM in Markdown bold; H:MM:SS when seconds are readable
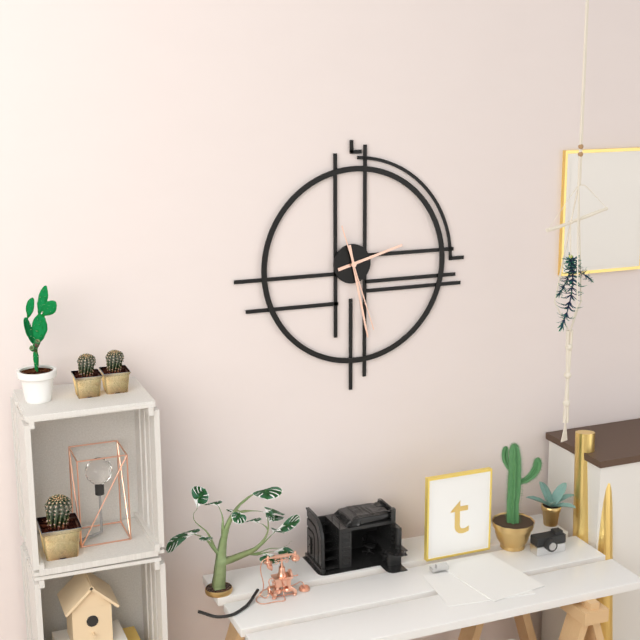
**2:28:27**
